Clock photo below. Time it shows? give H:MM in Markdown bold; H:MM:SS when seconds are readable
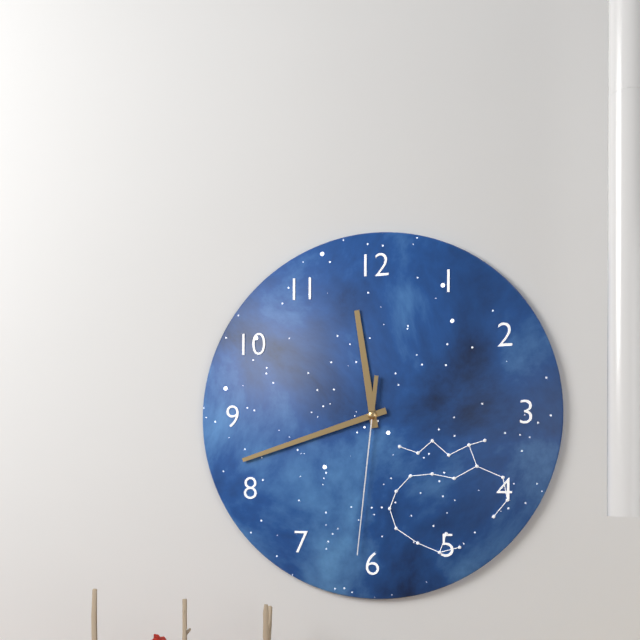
**11:42:31**
